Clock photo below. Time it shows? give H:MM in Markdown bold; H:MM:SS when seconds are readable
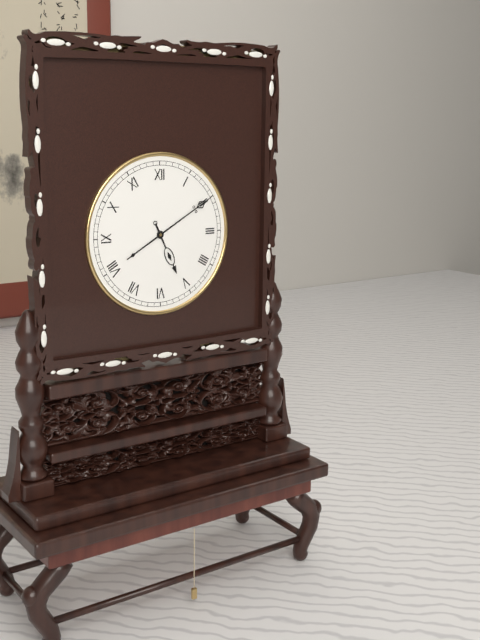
**5:10**
